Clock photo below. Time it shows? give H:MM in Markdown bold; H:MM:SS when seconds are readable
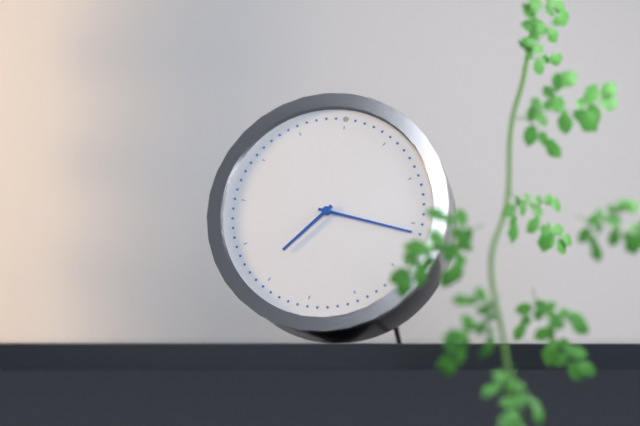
**7:16**
